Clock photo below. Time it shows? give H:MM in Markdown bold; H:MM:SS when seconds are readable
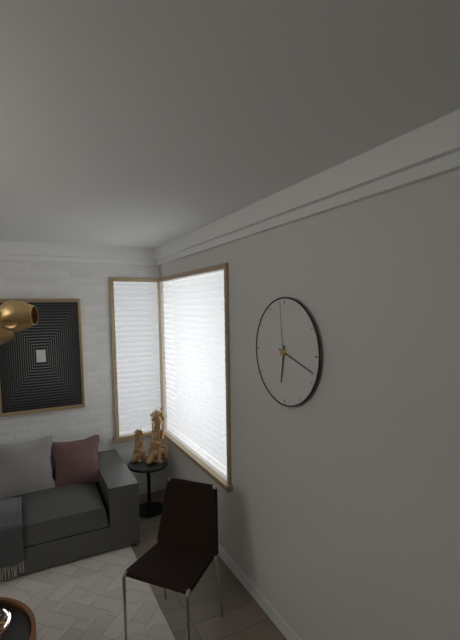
**6:18:59**
